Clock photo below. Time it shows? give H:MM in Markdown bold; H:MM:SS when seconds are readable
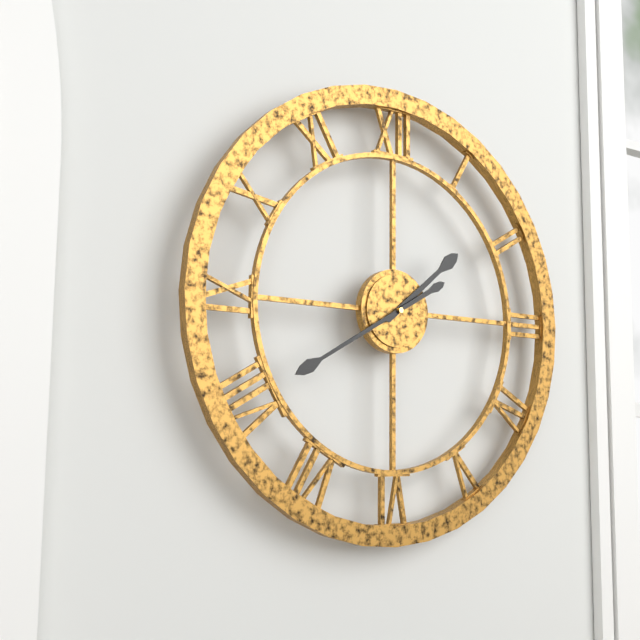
**1:40**
